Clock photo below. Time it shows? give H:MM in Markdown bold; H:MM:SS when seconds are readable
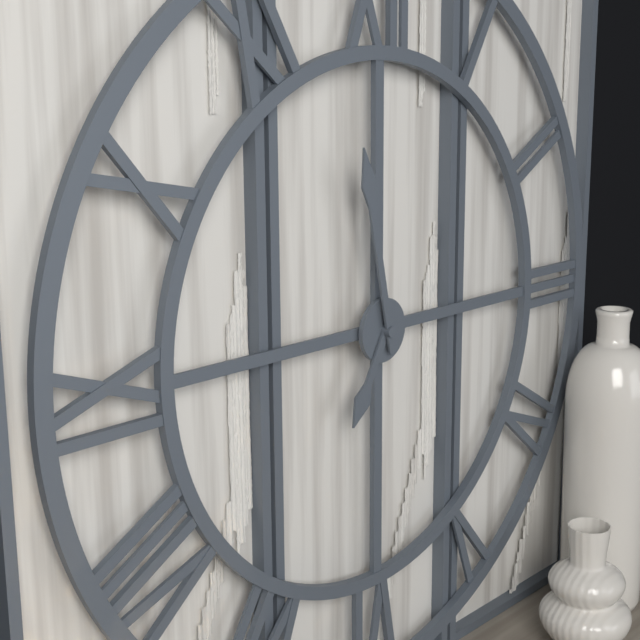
**6:58**
